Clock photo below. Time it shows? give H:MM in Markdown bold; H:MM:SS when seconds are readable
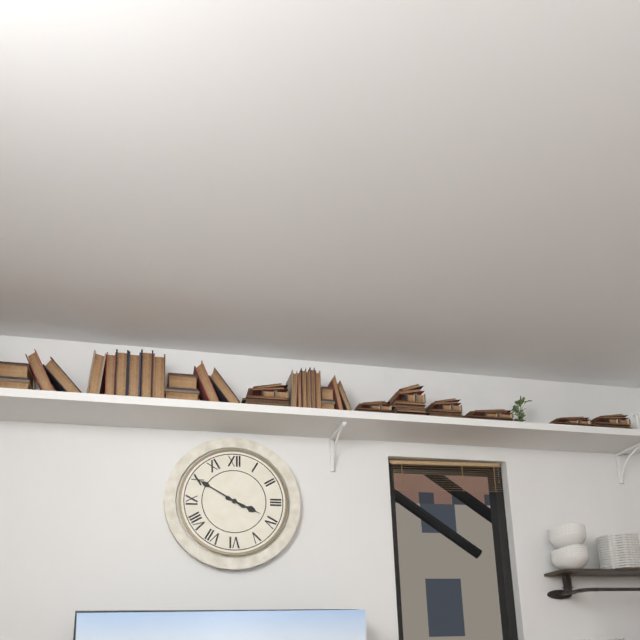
**3:50**
